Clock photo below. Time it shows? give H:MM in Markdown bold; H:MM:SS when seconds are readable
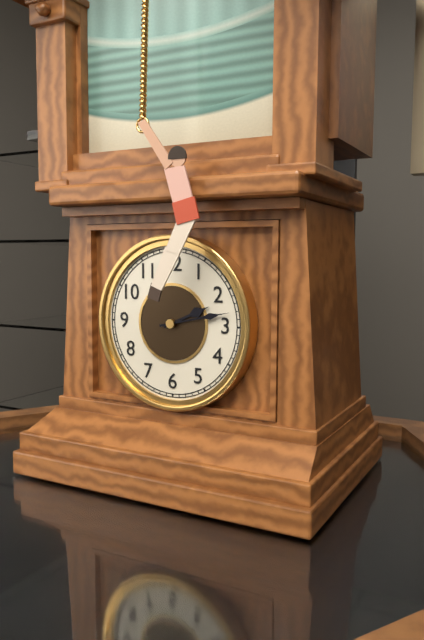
**2:13**
